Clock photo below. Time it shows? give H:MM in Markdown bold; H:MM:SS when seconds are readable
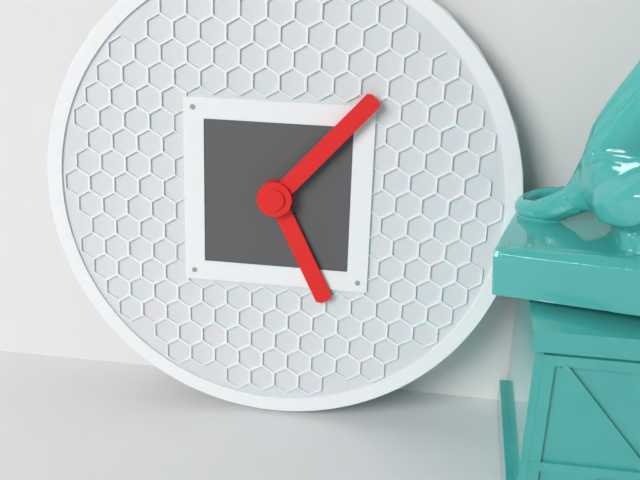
**5:07**
